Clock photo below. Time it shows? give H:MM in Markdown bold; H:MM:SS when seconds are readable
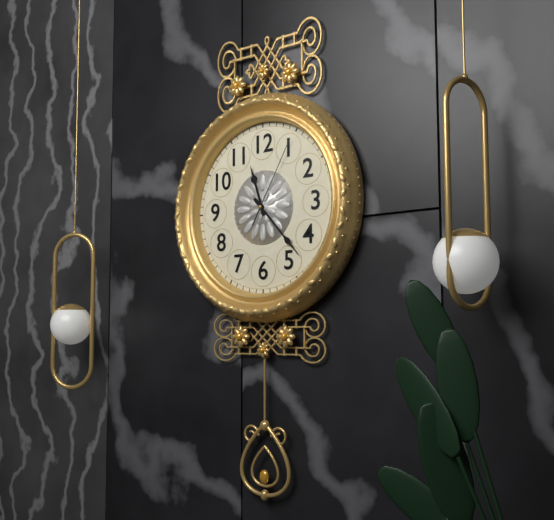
**11:23:05**
